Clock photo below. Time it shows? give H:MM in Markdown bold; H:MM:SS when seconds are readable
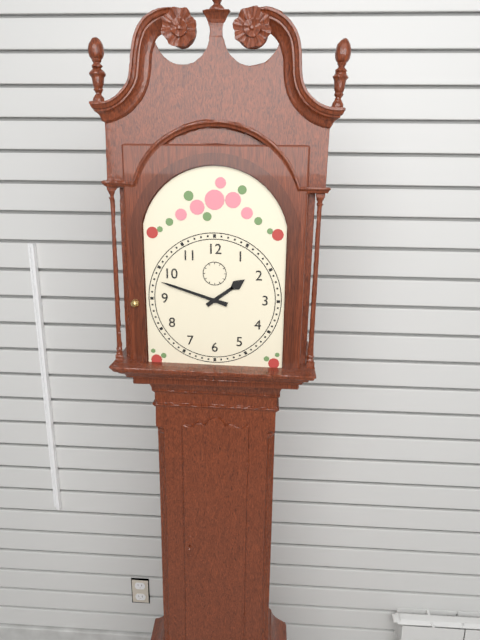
**1:48**
